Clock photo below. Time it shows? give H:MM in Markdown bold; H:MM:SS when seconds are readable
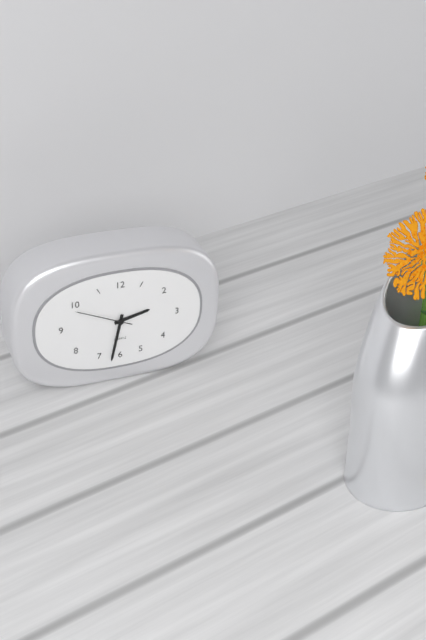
**2:32:49**
